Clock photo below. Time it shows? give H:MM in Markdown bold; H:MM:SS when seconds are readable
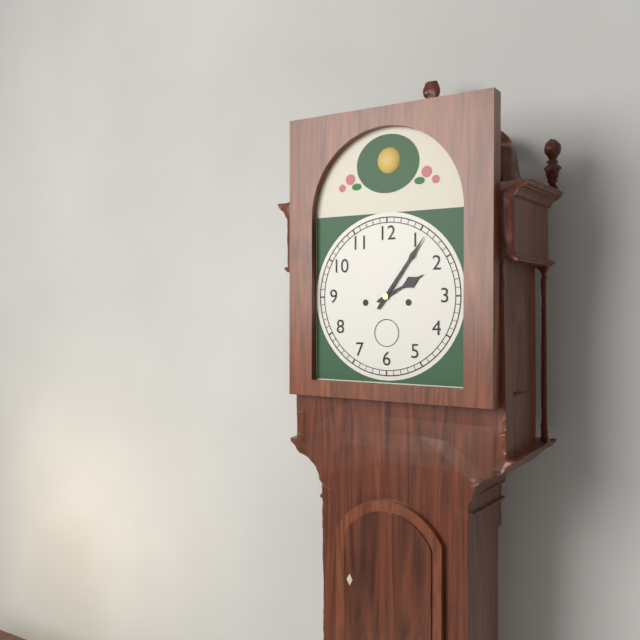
**2:06**
